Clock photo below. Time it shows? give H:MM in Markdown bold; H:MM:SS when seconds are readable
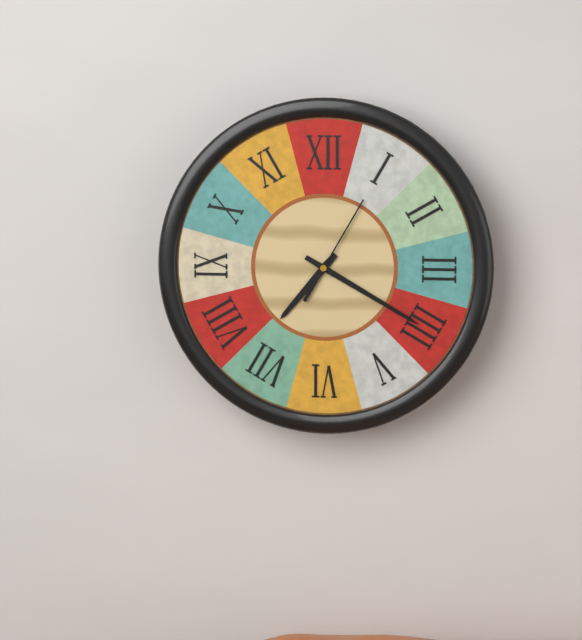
**7:20:05**
